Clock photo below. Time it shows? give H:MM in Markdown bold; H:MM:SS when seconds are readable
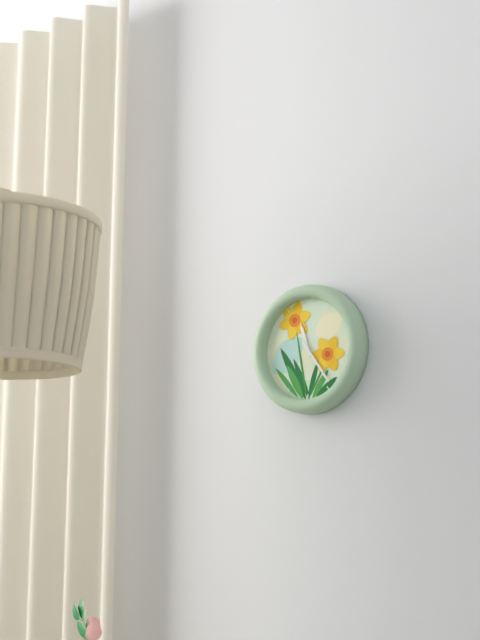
**11:24**
